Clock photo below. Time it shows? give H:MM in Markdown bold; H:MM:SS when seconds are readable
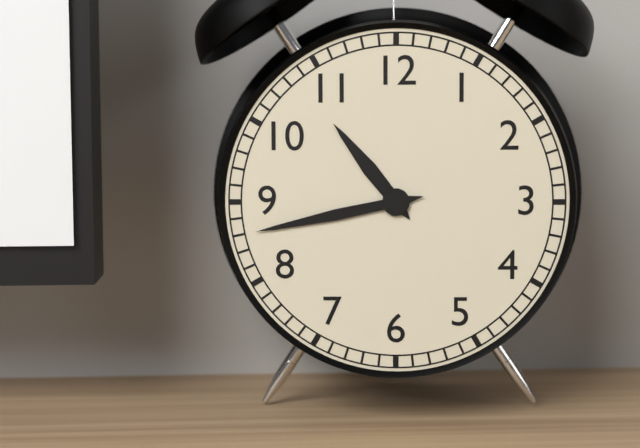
**10:43**
